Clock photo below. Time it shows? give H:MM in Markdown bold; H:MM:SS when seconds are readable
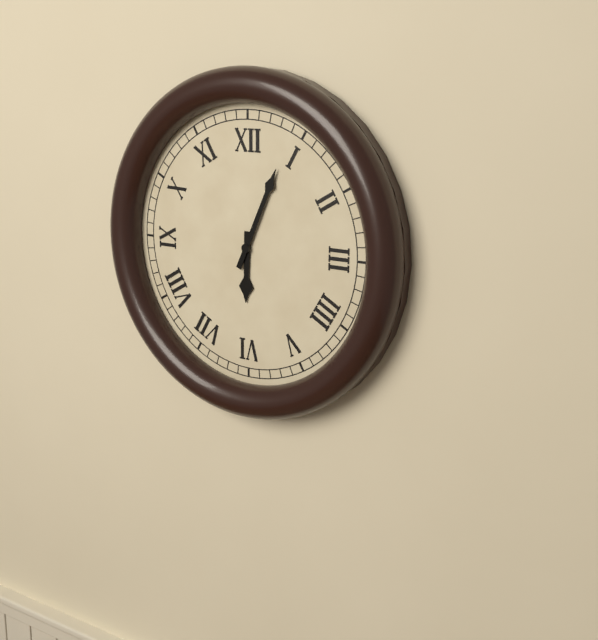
**6:04**
